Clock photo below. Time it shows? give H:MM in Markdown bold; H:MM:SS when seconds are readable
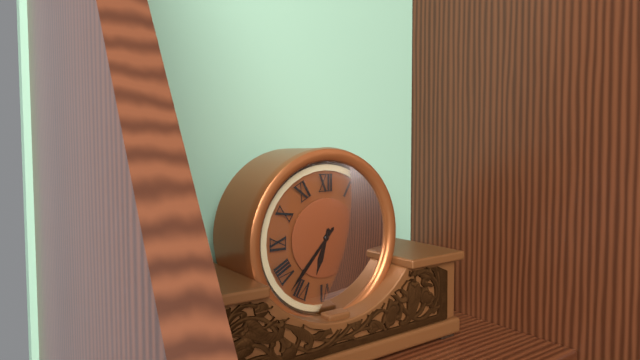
**6:37**
